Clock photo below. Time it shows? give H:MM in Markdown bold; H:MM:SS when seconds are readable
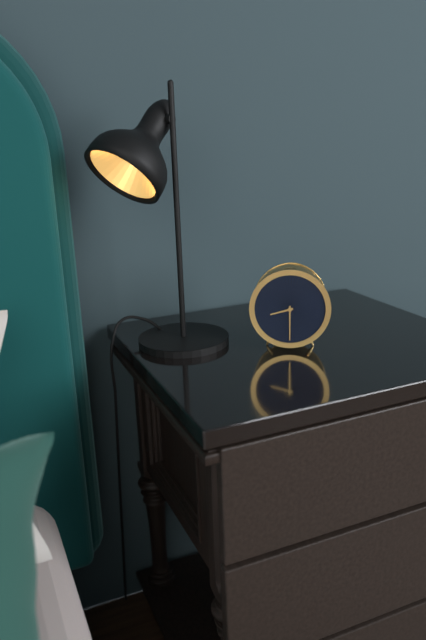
**8:30**
